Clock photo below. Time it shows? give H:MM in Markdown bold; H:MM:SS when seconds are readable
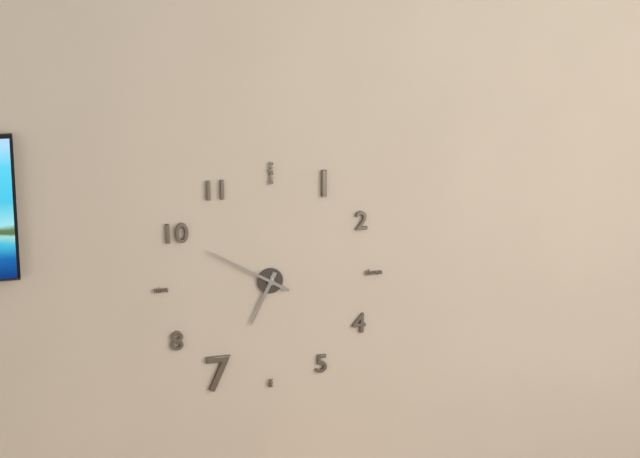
**6:50**
